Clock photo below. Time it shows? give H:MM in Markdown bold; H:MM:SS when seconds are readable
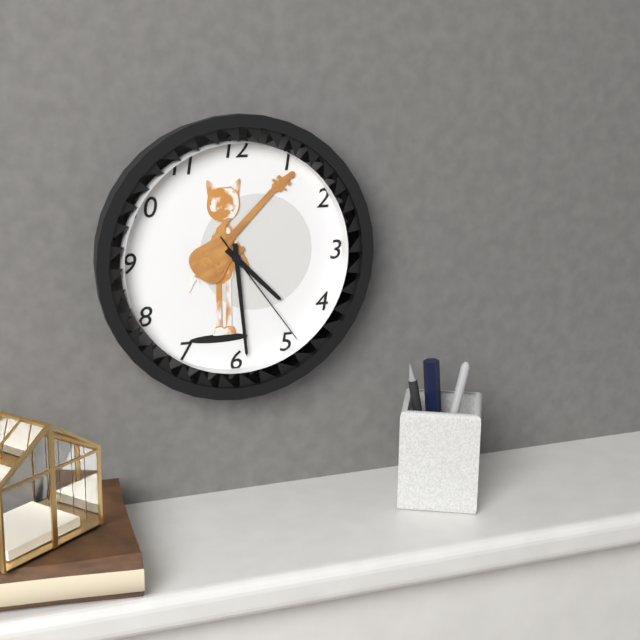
**4:29:24**
